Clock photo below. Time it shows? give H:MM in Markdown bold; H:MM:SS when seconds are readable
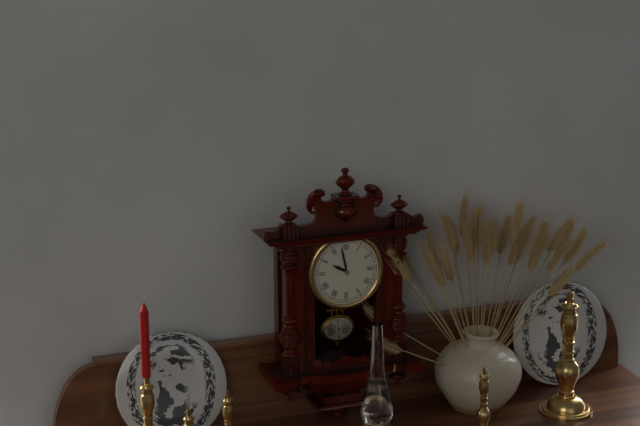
**9:58**
